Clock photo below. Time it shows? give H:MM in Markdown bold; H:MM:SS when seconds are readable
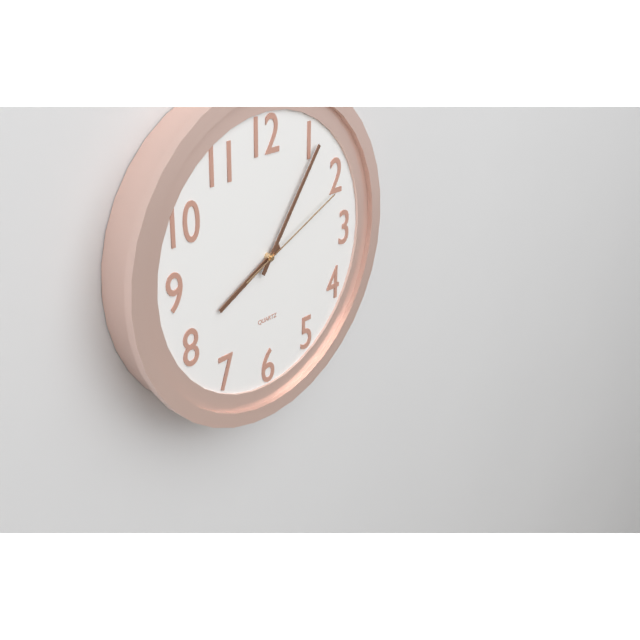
**8:06:11**
